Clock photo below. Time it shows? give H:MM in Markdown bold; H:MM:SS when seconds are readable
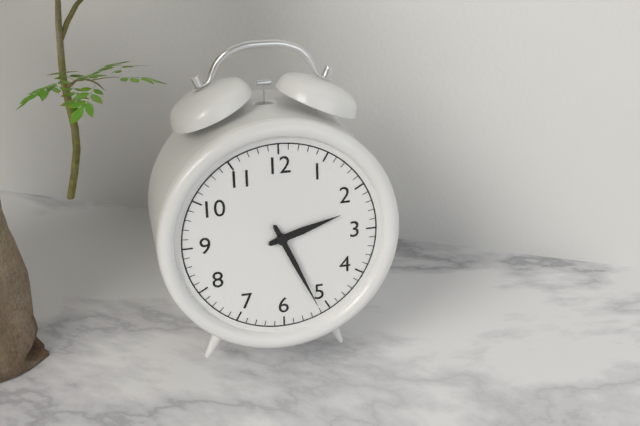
**2:26**
